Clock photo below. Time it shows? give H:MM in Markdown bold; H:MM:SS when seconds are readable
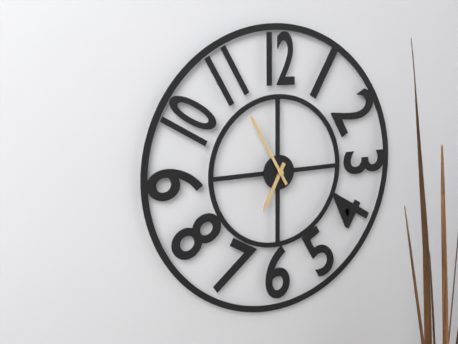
**6:55**
